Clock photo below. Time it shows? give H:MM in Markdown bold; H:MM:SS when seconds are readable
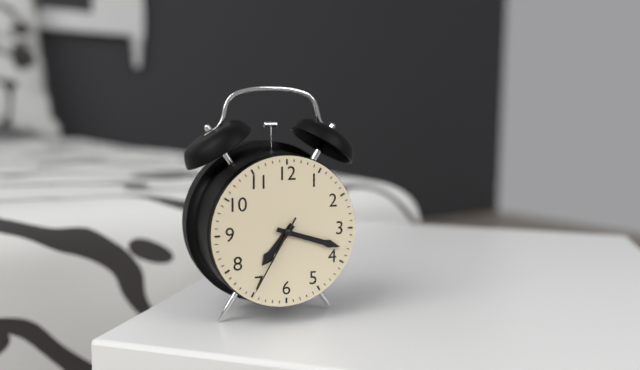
**7:18:35**
